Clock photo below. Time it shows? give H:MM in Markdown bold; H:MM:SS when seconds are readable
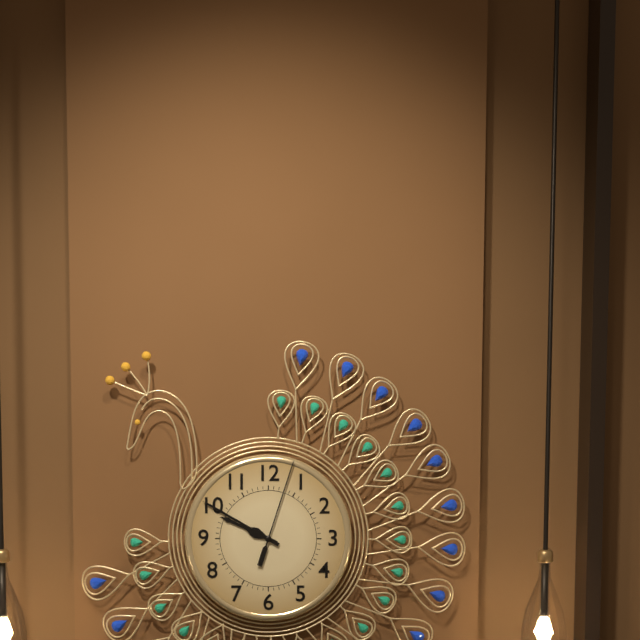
**9:50:03**
